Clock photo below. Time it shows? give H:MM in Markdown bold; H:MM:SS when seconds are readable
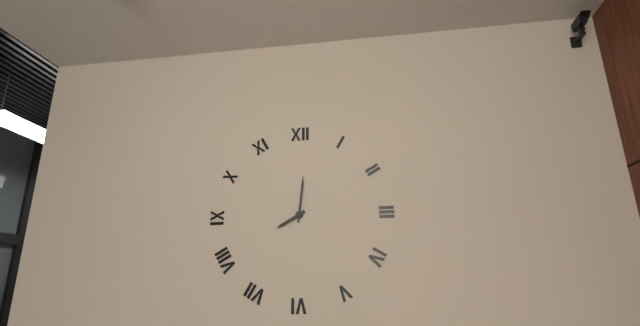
**8:01**
